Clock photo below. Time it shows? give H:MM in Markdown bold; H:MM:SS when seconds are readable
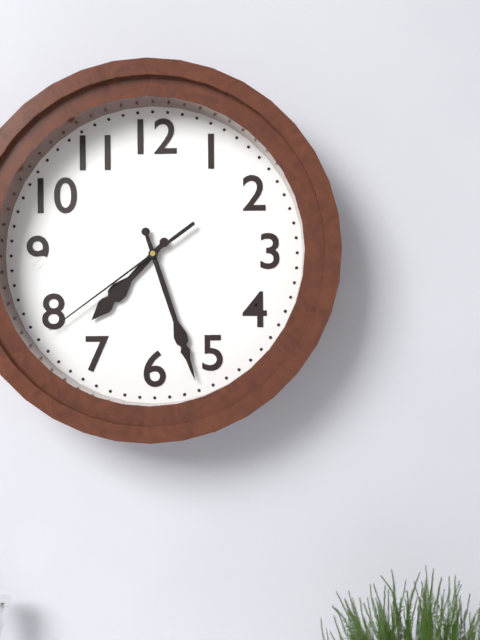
**7:27:39**
